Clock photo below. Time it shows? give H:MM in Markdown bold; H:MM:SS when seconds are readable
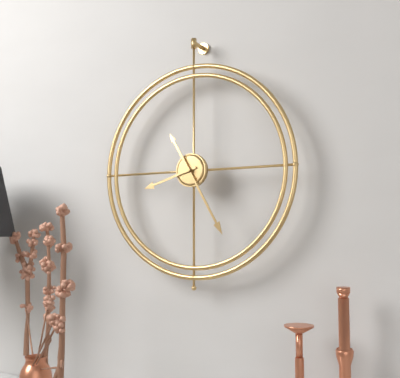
**8:25**
